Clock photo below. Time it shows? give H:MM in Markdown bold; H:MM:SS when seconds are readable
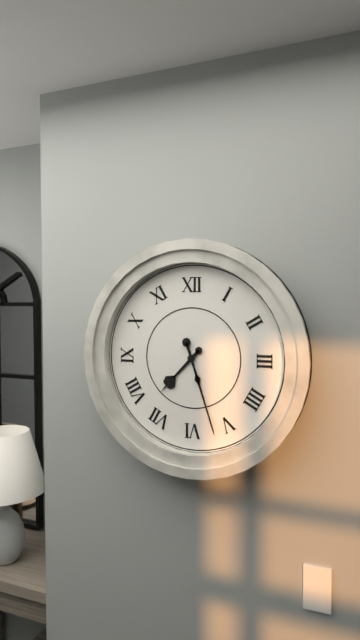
**7:27**
